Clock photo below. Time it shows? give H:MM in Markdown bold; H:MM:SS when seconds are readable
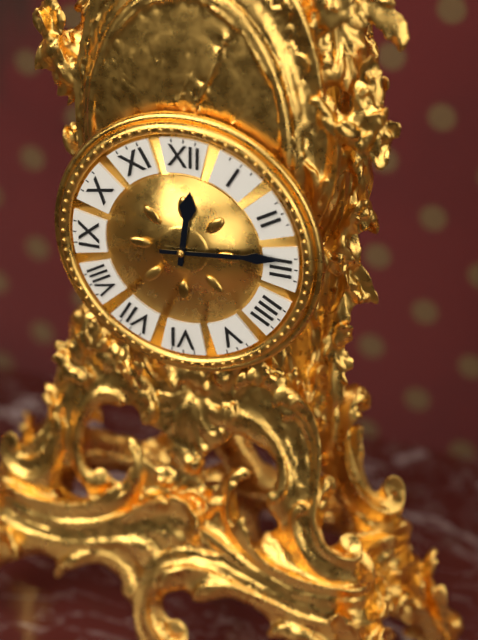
**12:14**
